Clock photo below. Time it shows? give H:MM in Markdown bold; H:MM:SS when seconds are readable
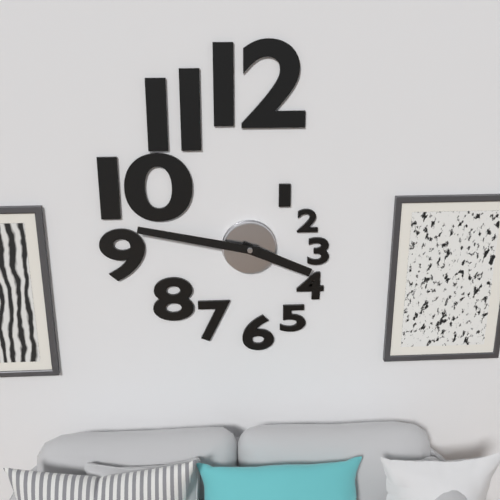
**3:47**
